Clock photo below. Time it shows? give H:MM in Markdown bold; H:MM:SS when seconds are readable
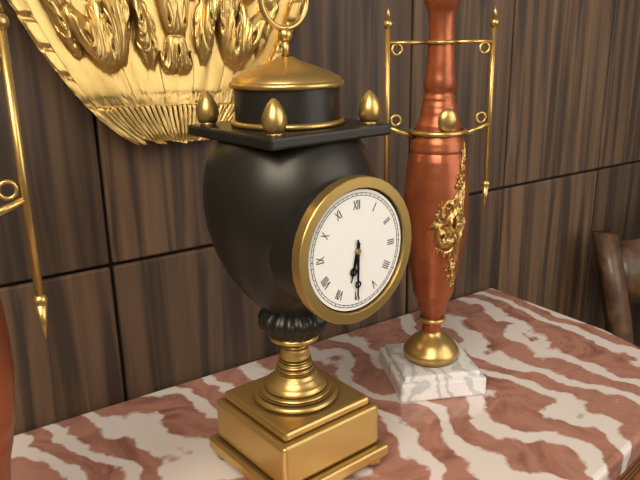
**6:30**
